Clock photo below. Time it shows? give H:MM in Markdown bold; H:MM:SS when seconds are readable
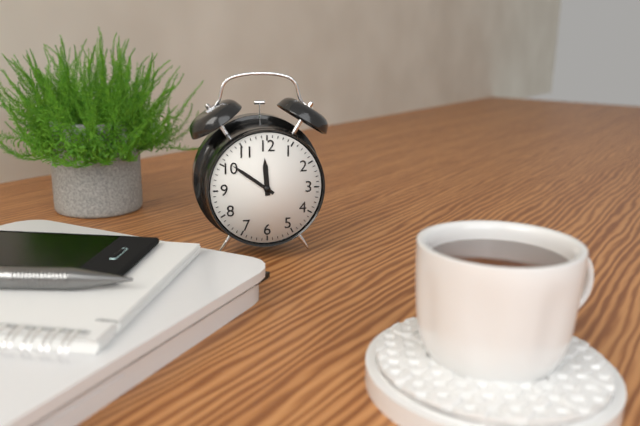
**11:51**
